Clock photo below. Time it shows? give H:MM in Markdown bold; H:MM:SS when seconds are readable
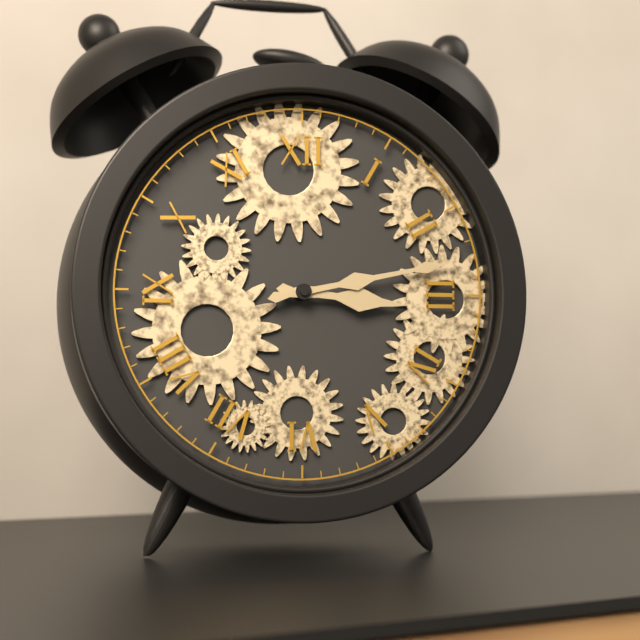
**3:13**
